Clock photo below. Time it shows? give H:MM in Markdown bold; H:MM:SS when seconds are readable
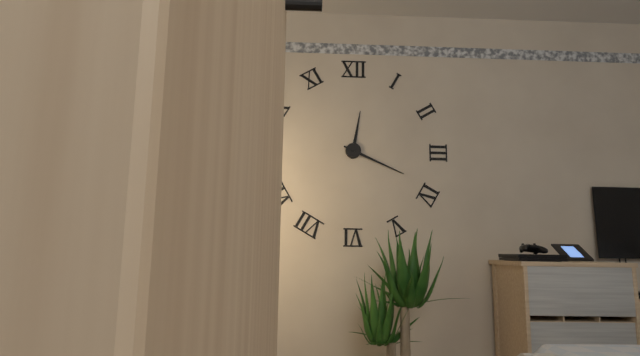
**12:19**
